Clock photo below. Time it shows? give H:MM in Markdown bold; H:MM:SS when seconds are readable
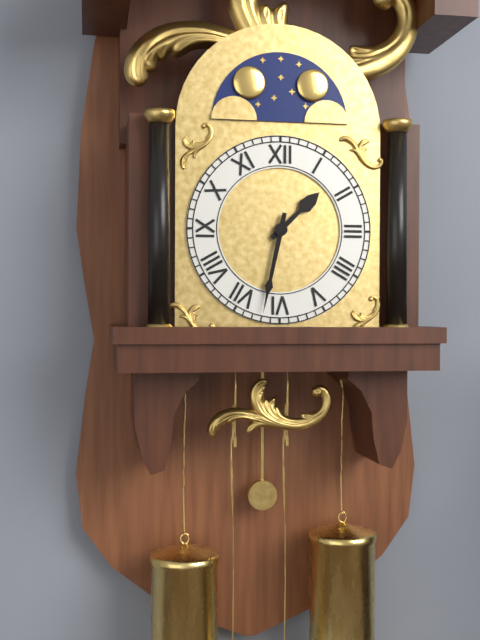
**1:32**
